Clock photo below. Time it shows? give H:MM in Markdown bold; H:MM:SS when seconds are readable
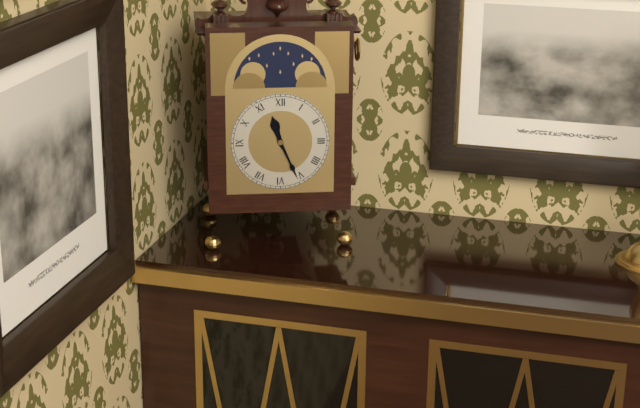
**11:26**
